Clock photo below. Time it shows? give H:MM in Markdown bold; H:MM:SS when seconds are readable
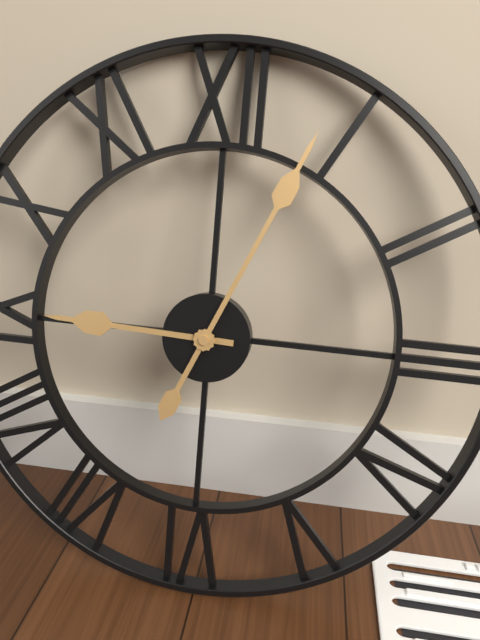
**9:04**
